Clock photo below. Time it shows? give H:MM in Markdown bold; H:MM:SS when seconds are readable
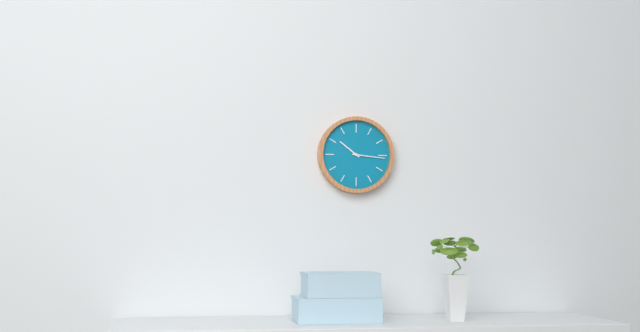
**10:16**
